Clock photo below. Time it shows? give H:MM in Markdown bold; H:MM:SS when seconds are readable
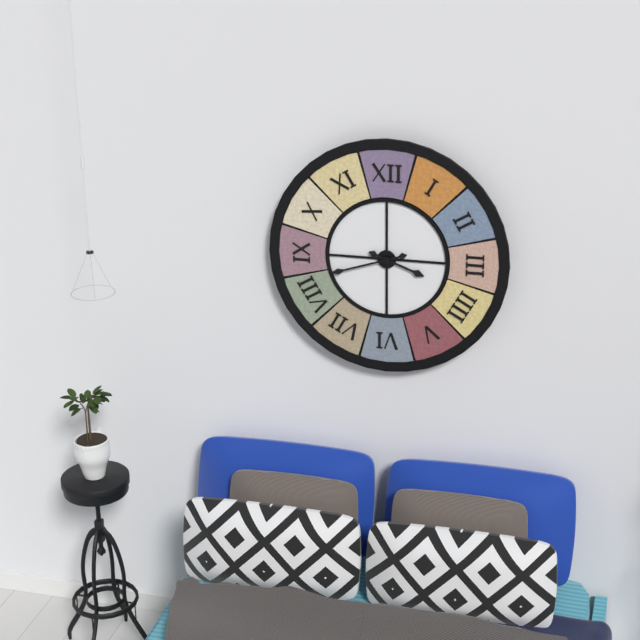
**3:42**
